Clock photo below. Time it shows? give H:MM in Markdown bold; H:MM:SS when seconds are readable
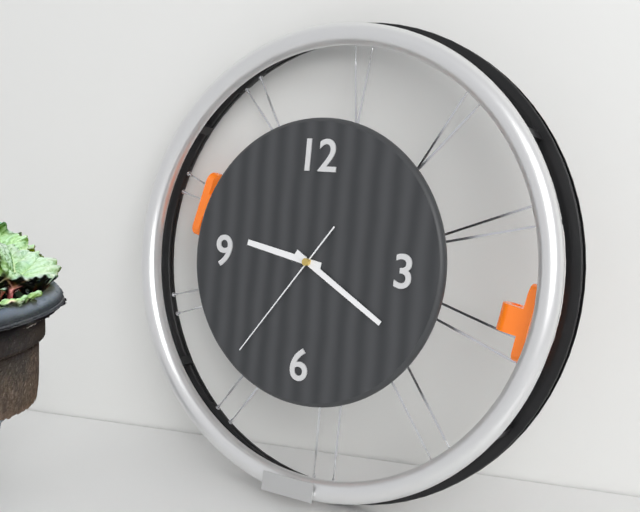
**9:20:36**
